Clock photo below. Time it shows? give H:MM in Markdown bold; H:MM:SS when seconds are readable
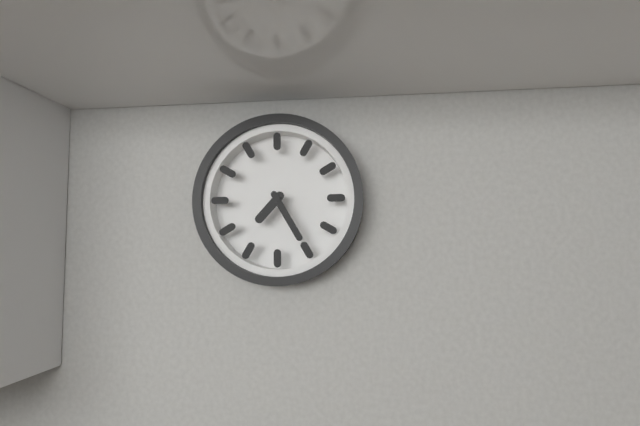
**7:25**
